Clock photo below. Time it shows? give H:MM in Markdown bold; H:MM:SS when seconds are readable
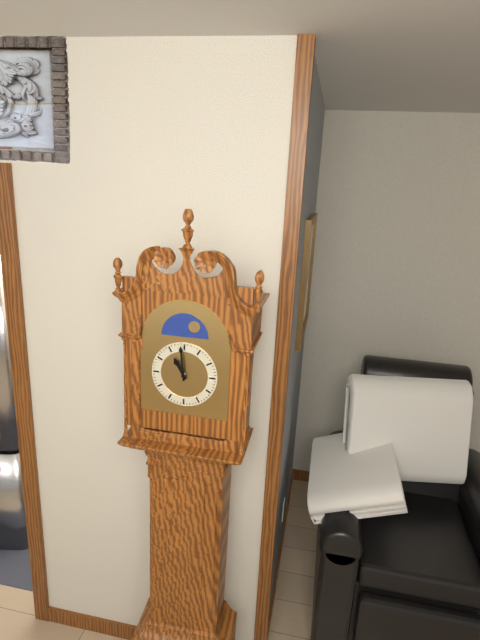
**10:59**
